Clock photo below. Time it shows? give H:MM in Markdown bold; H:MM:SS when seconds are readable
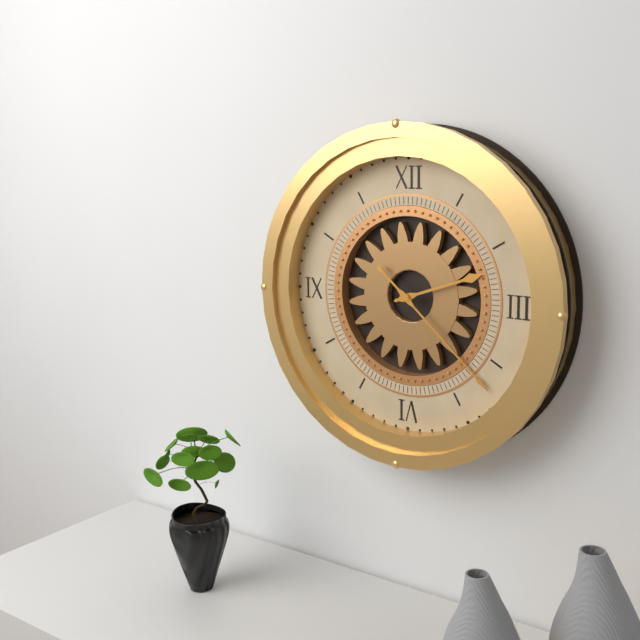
**2:22**
